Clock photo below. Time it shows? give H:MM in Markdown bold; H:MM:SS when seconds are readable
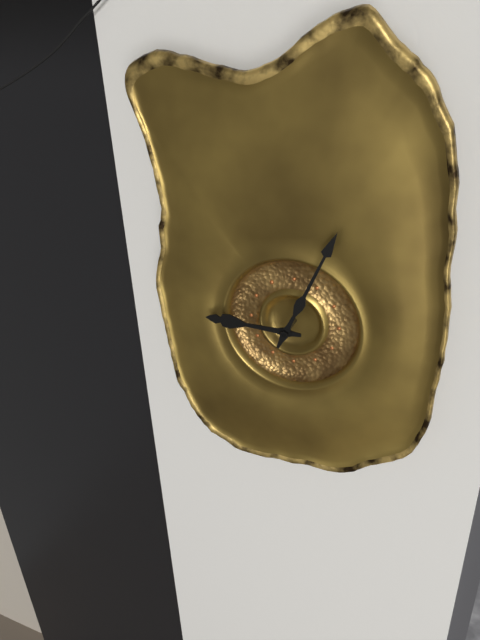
**9:04**
